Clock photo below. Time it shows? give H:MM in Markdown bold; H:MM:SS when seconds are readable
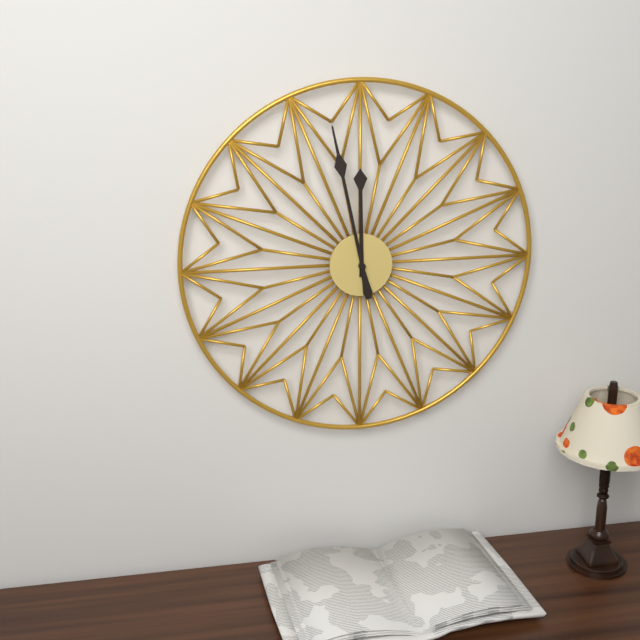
**11:58**
